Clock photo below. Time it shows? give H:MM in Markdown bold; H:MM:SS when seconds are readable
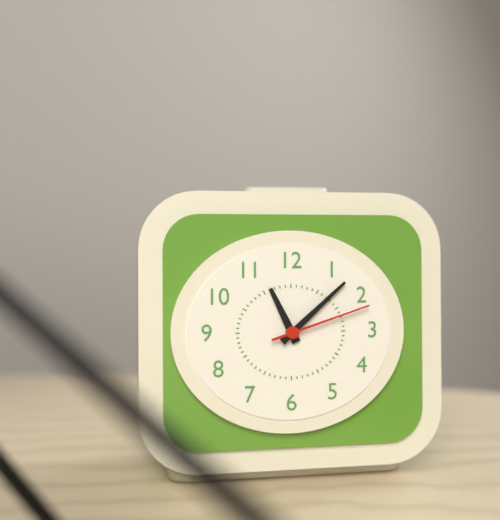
**11:08:12**
